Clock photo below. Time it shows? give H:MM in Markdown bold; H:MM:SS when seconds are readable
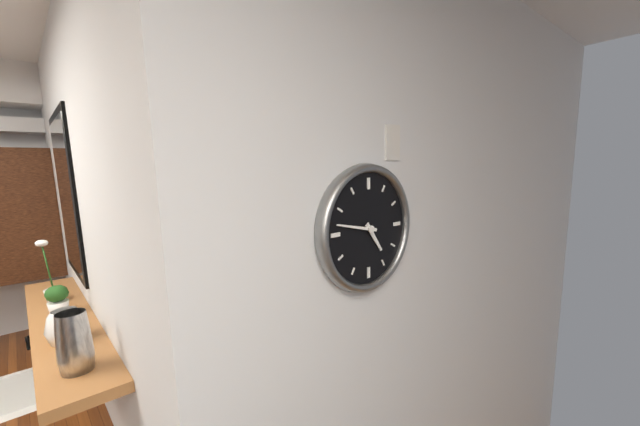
**4:47**
